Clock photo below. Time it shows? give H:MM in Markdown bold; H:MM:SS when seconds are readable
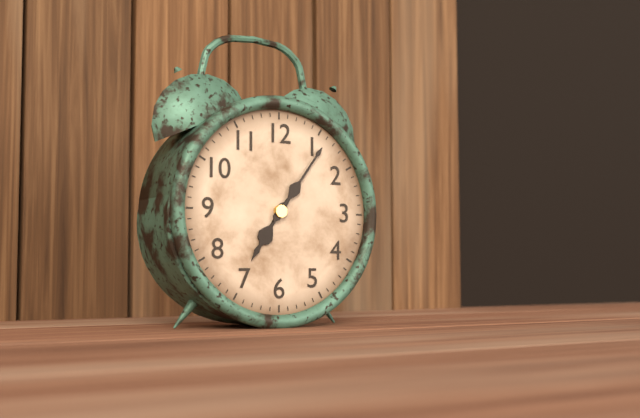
**7:06**
